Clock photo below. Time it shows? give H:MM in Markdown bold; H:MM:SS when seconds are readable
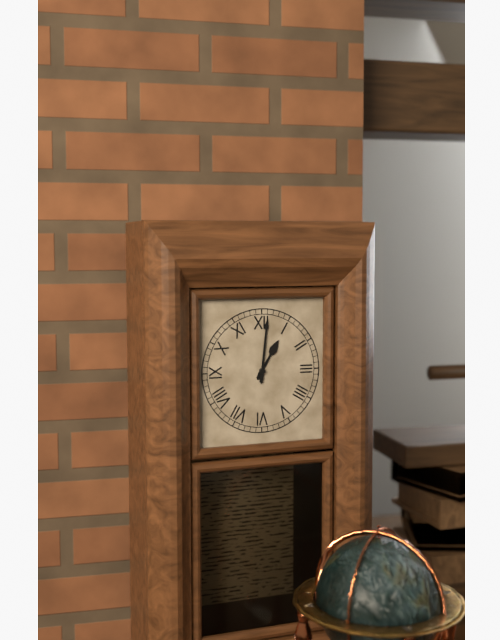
**1:01**
